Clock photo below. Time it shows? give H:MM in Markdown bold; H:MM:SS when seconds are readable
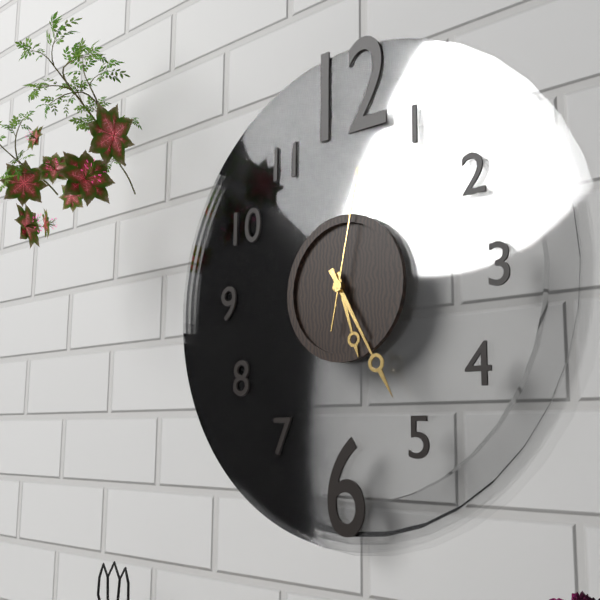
**5:25:02**
